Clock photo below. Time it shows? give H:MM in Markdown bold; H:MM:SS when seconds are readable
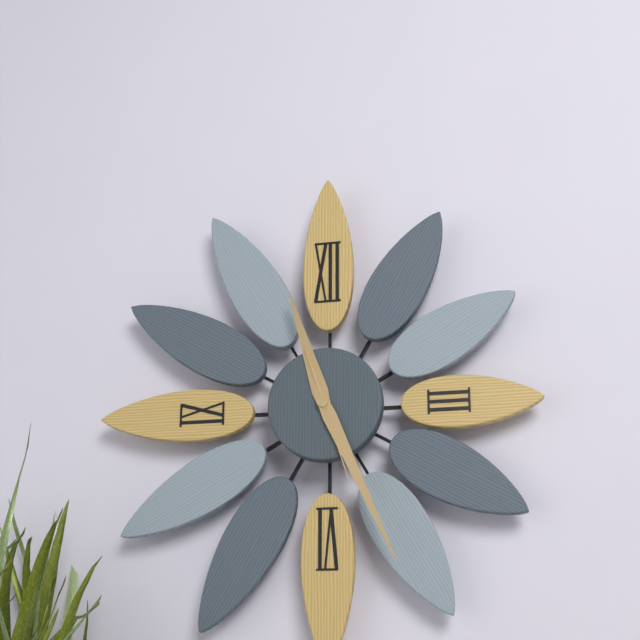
**11:26:27**
